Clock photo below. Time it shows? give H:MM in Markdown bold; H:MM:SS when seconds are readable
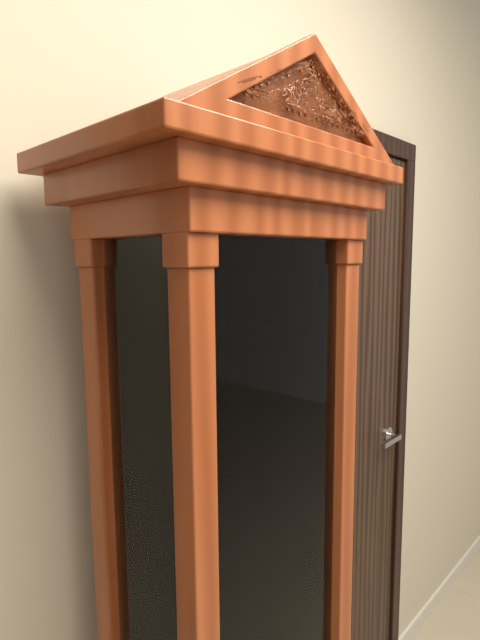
**10:58**
